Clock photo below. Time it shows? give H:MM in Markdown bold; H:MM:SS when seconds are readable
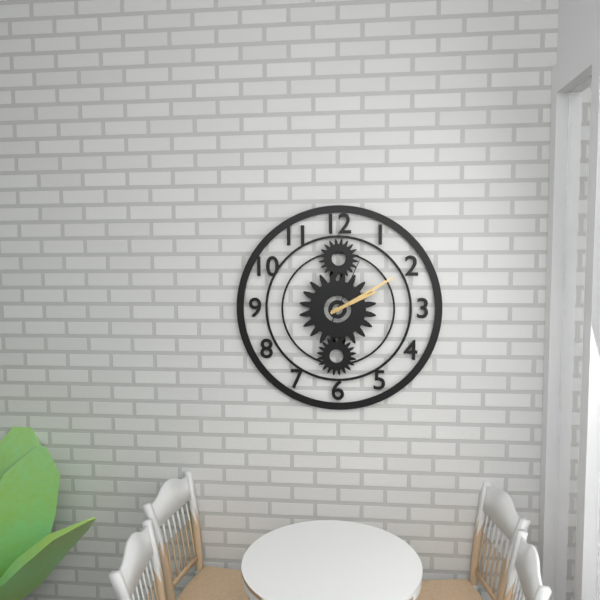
**2:10:04**
